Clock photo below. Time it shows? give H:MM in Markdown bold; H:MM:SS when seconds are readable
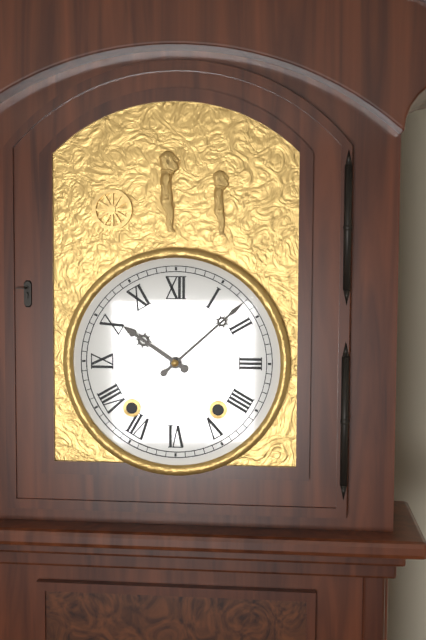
**10:08**
